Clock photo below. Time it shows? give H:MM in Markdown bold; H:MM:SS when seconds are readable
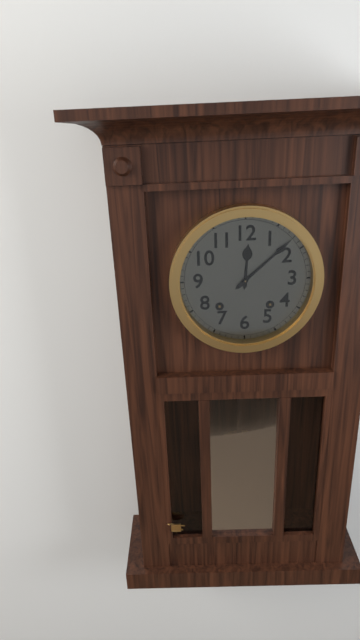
**12:08**
